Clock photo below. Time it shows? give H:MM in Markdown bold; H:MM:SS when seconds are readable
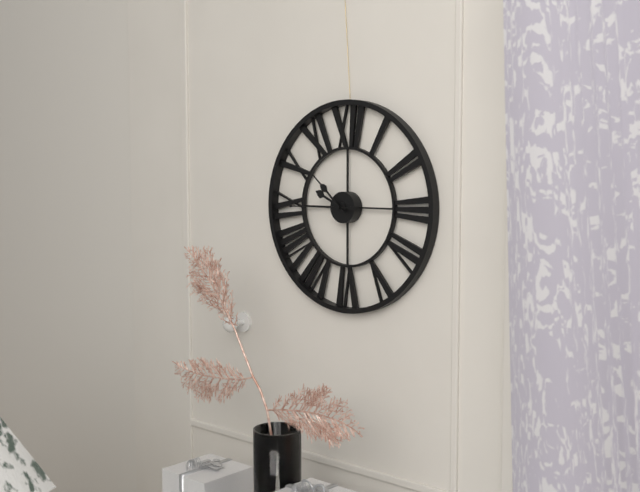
**9:52:45**
